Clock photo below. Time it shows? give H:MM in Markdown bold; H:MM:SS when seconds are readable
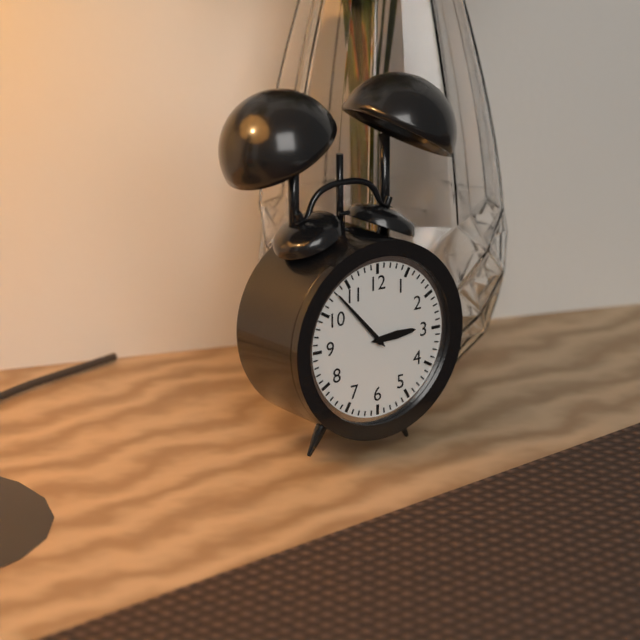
**2:53**
